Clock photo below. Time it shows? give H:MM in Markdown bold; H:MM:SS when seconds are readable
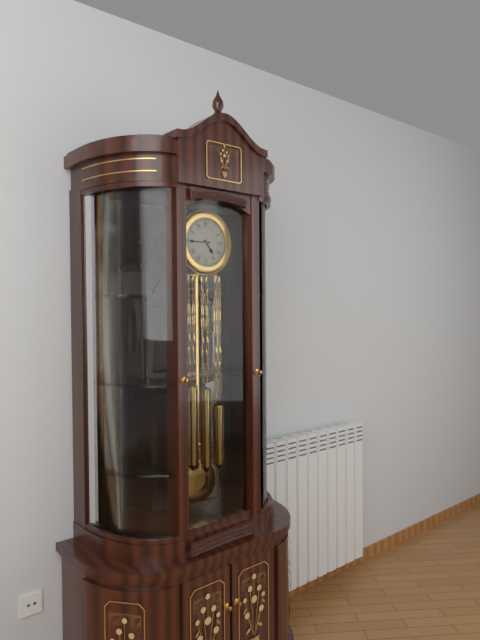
**4:45**
